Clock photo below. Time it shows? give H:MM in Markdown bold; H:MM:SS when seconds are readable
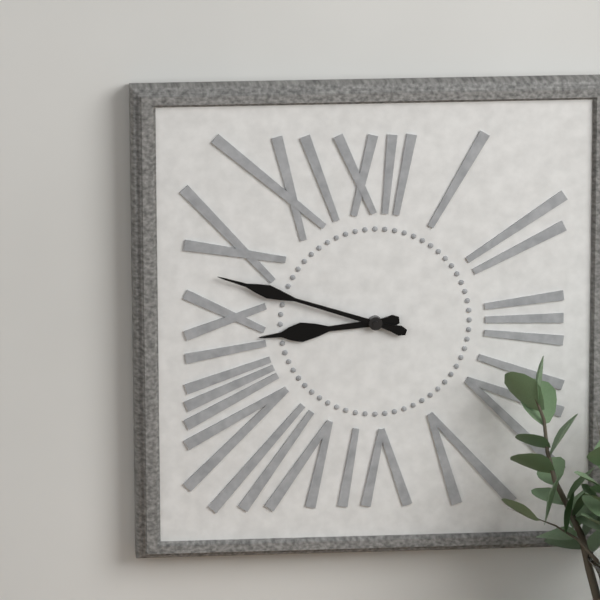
**8:48**
